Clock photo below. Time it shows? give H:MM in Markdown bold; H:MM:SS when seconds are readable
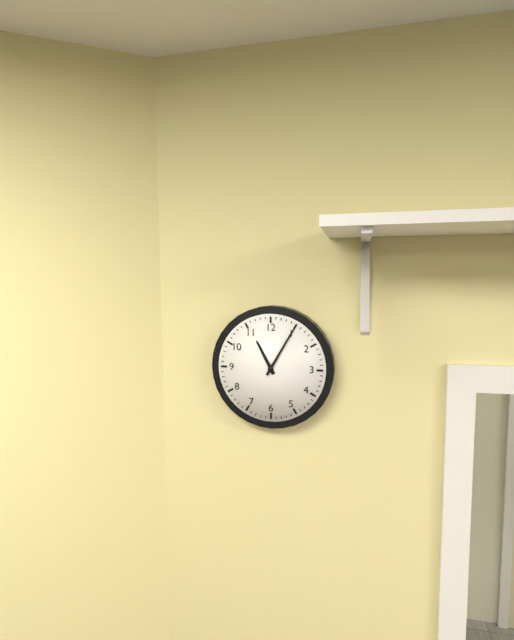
**11:05**
